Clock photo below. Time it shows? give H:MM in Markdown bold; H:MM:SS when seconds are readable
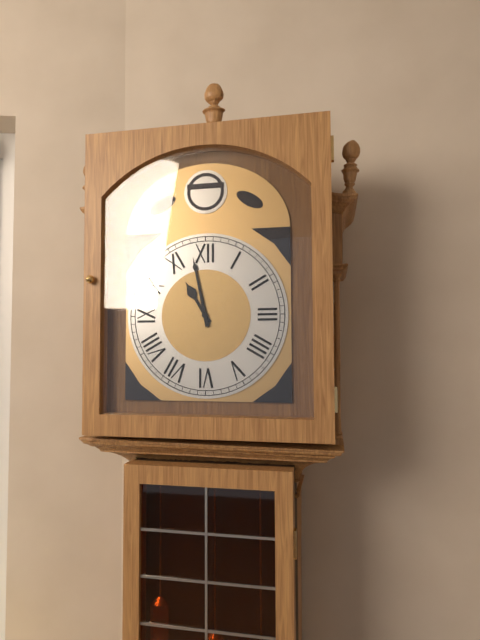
**10:58**
